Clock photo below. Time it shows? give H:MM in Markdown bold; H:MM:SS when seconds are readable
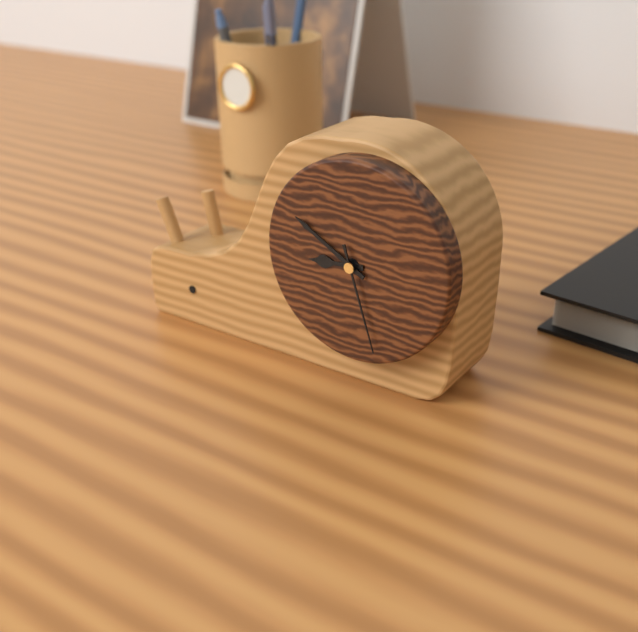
**8:50:27**
